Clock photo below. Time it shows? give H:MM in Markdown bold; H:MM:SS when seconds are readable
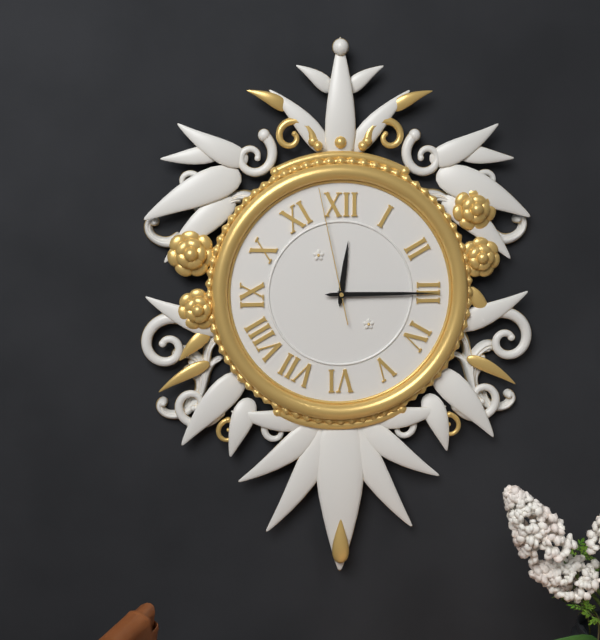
**12:15:58**
